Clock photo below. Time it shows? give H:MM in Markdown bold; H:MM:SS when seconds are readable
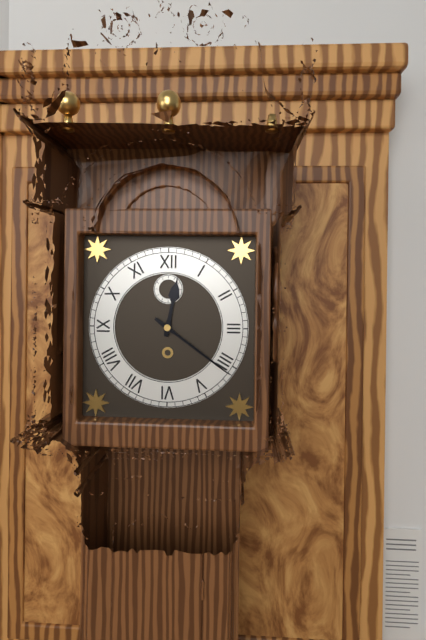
**12:21**
